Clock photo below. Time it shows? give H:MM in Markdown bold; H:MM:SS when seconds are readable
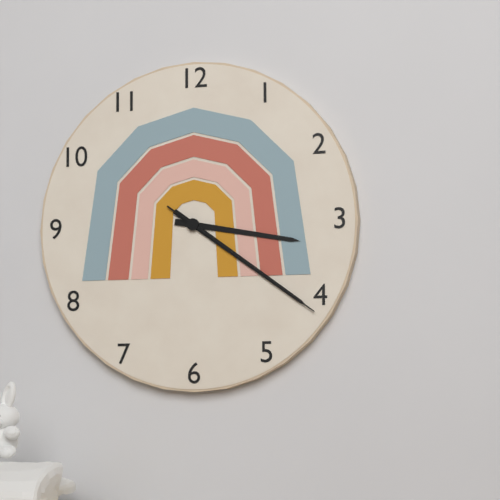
**3:21:21**
